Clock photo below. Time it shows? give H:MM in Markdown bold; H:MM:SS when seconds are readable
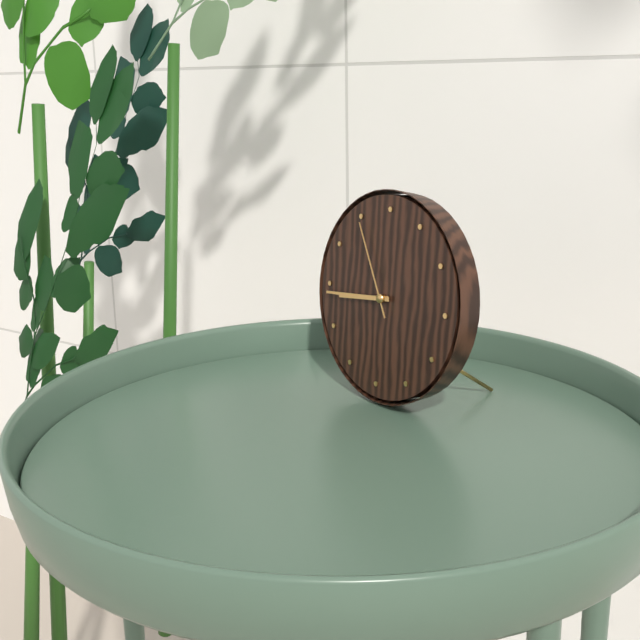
**8:44:55**
